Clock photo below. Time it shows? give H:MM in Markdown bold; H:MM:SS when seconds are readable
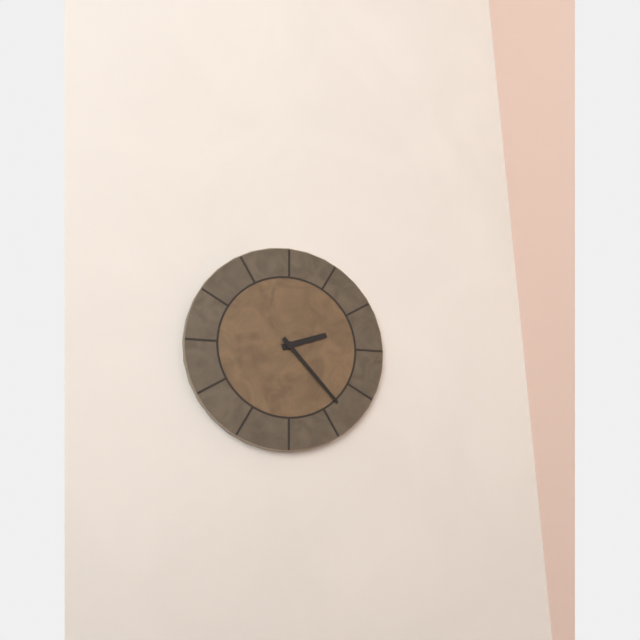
**2:23**
